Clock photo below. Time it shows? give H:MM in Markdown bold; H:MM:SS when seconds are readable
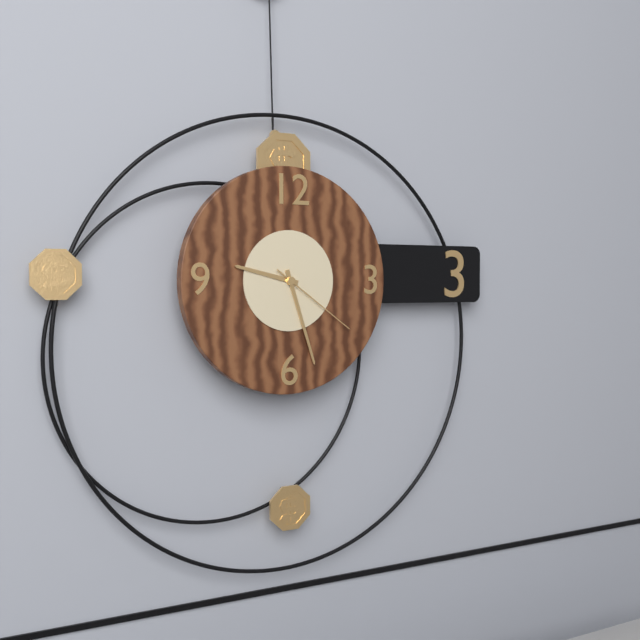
**9:27:21**
